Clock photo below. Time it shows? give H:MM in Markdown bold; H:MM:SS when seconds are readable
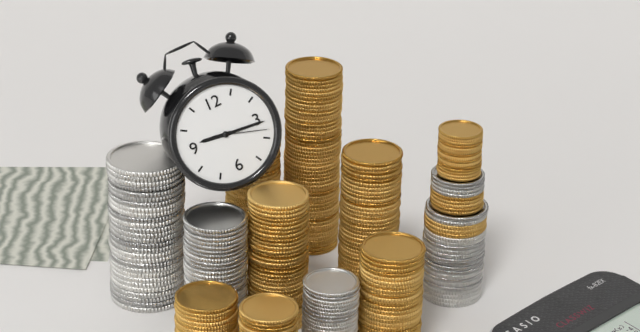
**9:16:18**
